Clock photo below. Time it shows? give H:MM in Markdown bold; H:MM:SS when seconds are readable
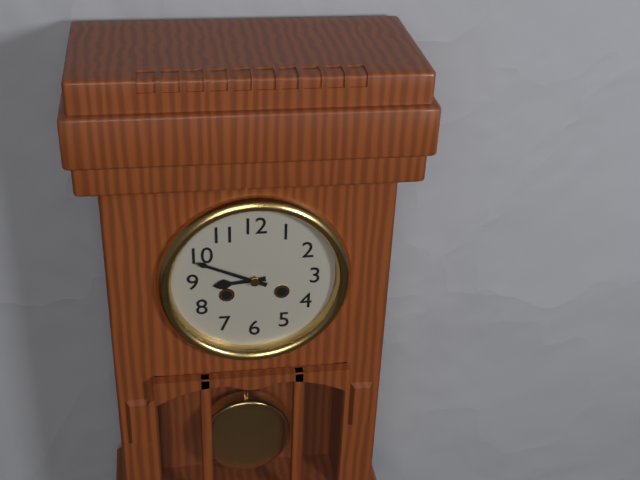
**8:49**
